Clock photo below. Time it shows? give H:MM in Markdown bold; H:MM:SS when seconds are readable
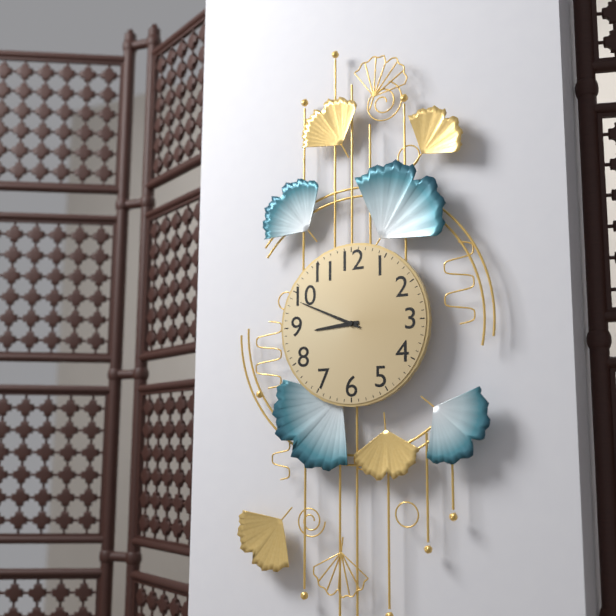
**8:49**
